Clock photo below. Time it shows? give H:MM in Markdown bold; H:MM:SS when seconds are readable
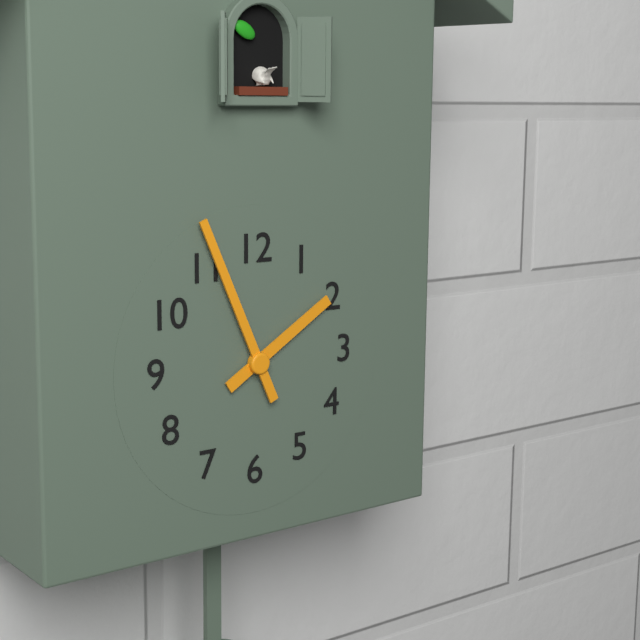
**1:56**
